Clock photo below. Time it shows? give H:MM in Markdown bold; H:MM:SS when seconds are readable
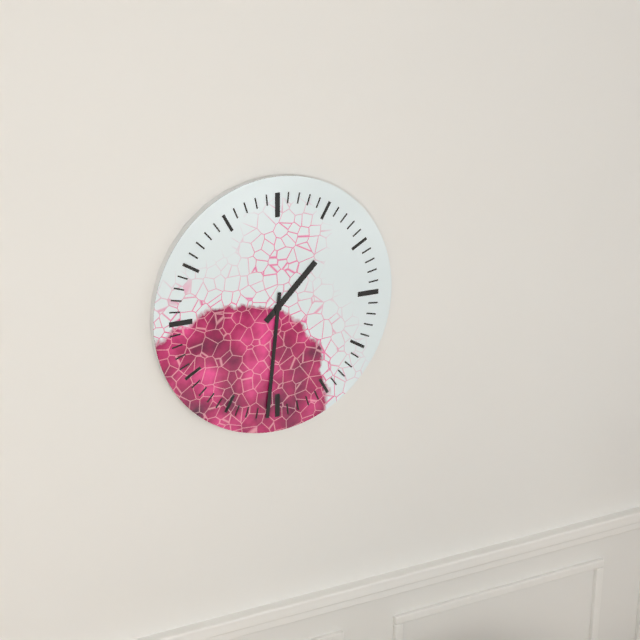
**1:31**
